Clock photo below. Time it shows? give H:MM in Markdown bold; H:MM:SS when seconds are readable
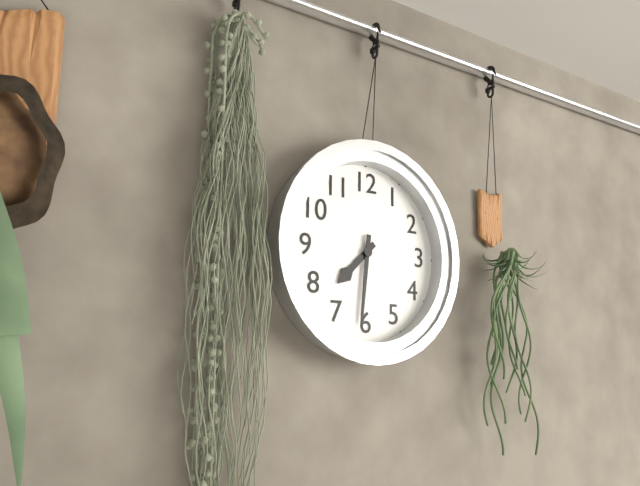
**7:31**
